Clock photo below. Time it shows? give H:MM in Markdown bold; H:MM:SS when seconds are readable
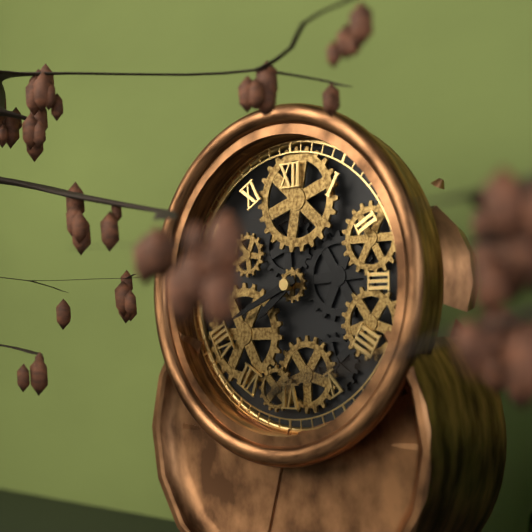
**7:41**
